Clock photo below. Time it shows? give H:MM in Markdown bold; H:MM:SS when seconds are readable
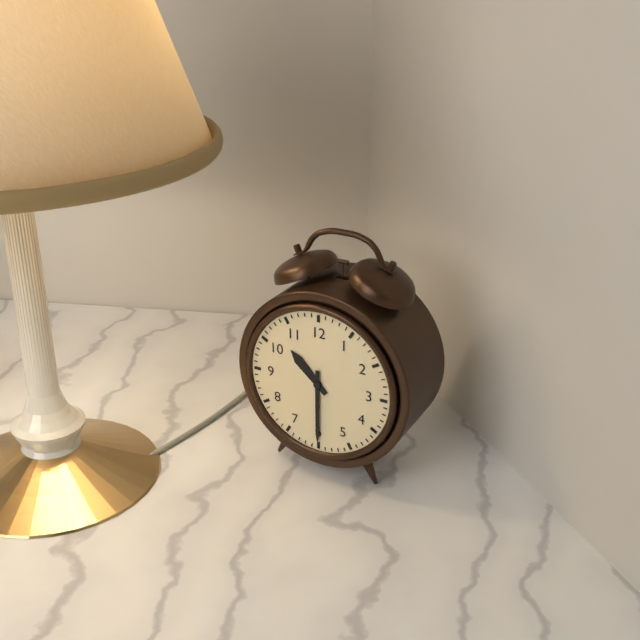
**10:30**
